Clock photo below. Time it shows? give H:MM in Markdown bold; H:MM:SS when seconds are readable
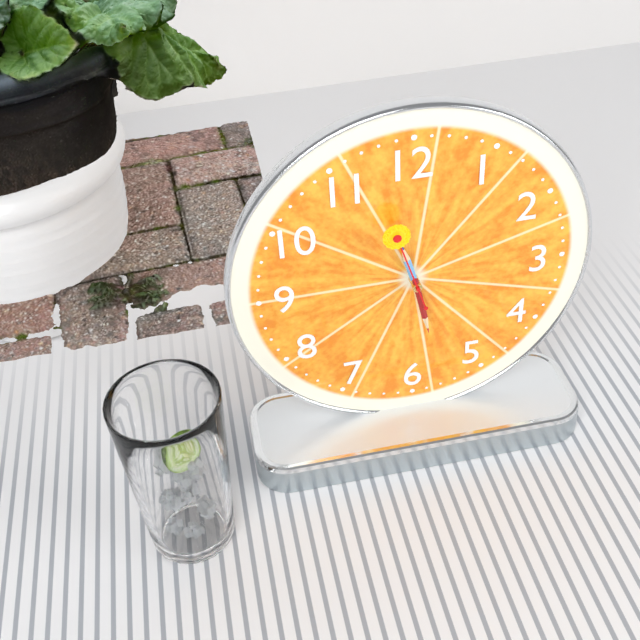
**11:28:57**
